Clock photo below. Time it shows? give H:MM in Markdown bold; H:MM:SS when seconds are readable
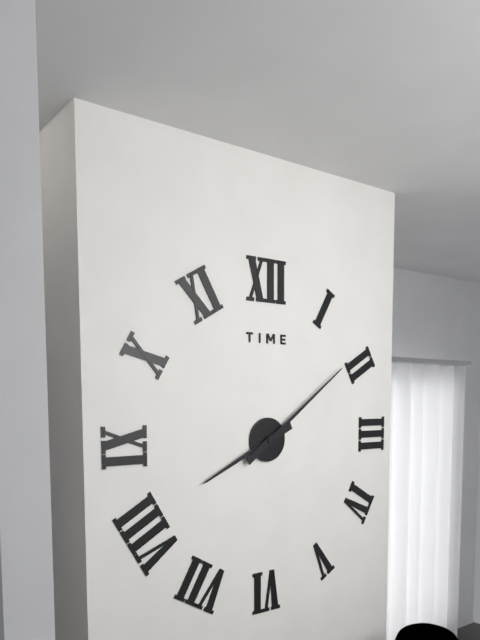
**8:09**
